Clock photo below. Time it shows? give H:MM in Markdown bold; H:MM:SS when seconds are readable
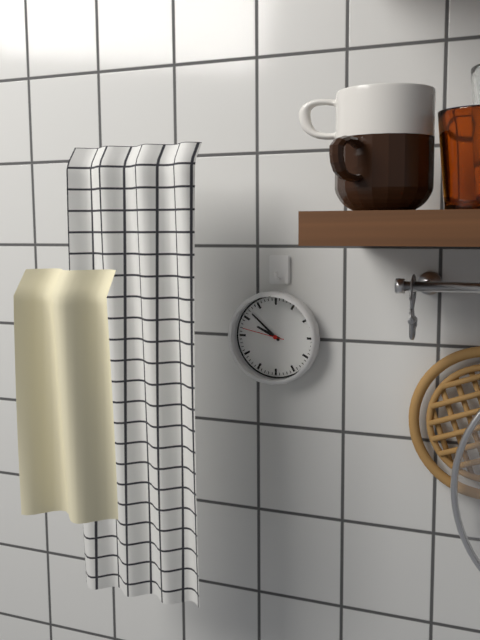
**9:52**
